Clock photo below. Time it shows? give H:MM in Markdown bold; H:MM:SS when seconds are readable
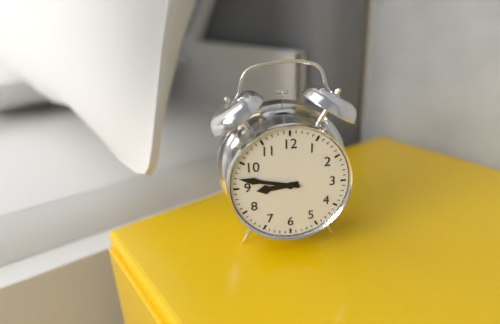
**8:47**
